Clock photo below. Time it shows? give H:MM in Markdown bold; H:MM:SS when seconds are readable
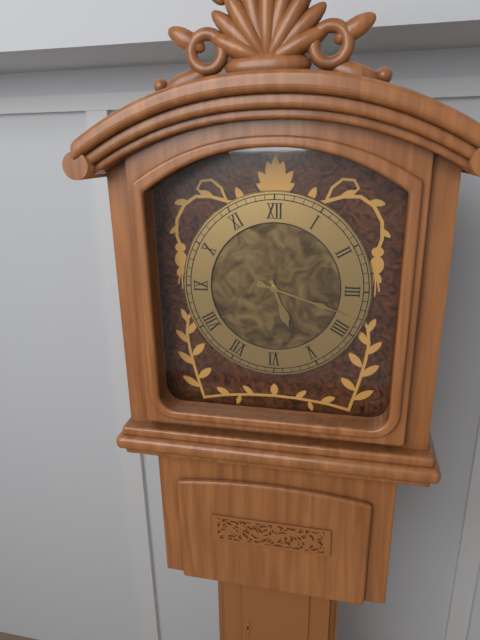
**5:18**
